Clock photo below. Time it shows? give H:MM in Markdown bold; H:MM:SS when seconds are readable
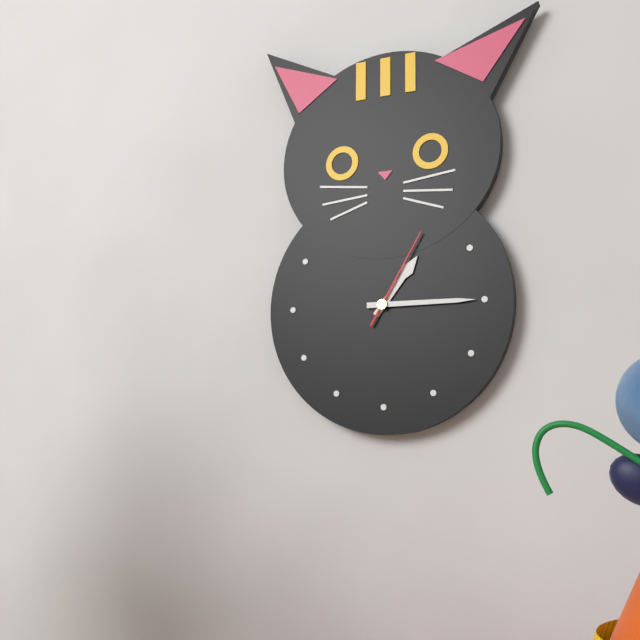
**1:15:05**
